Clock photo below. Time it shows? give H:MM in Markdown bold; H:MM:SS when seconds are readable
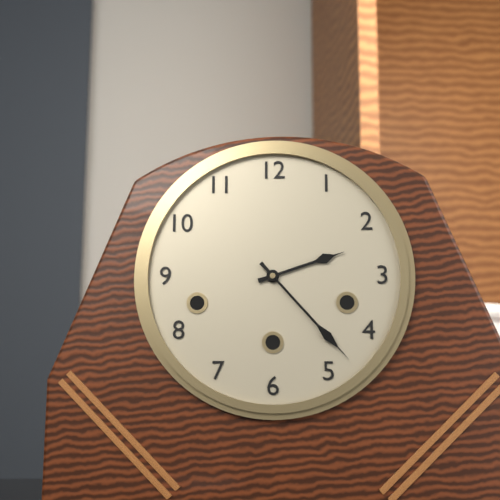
**2:23**
